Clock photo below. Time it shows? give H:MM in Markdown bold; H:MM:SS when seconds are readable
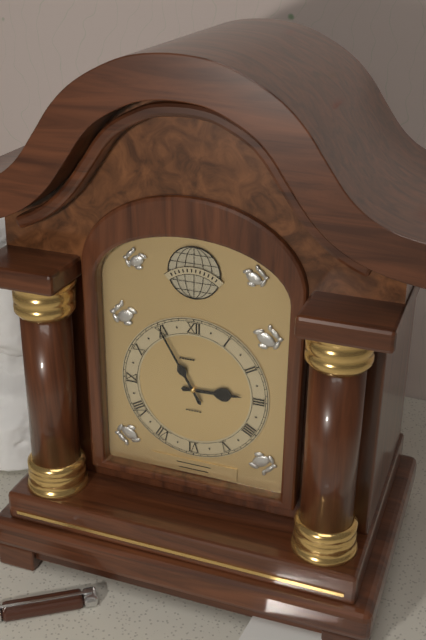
**2:55**
